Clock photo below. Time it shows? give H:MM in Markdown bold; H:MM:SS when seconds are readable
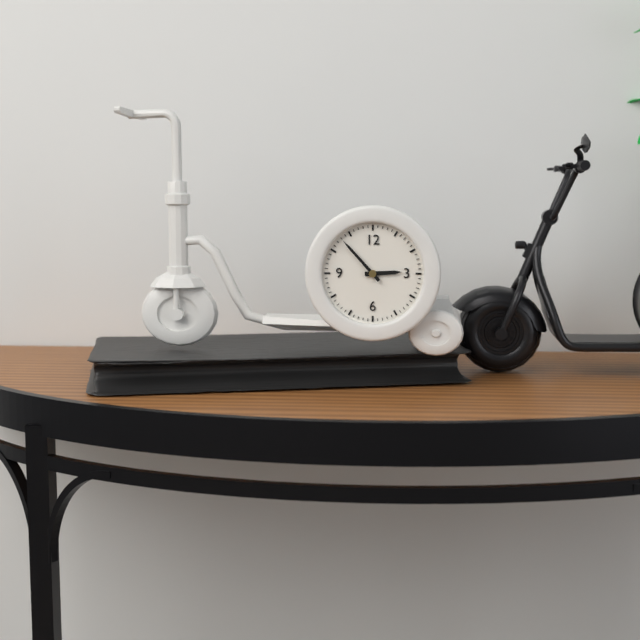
**2:53**
